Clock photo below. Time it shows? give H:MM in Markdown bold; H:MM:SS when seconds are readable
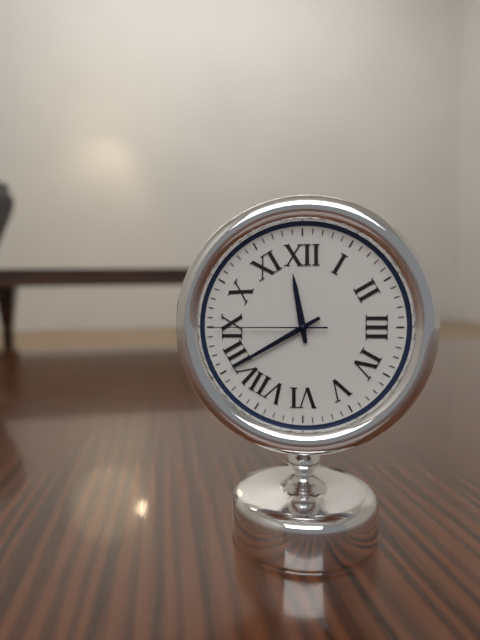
**11:40:45**
